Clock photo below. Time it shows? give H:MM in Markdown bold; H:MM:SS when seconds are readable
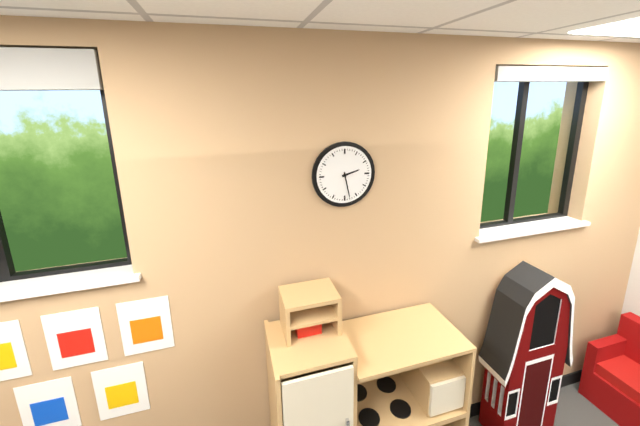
**2:28**
